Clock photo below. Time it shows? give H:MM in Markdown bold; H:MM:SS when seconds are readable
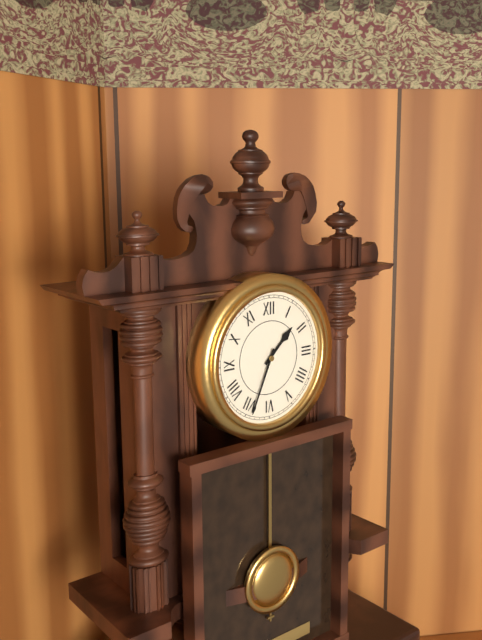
**1:34**
